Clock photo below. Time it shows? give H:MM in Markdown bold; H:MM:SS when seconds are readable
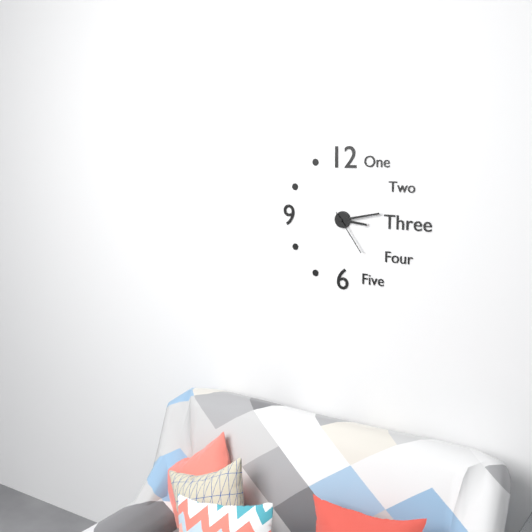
**3:13**
